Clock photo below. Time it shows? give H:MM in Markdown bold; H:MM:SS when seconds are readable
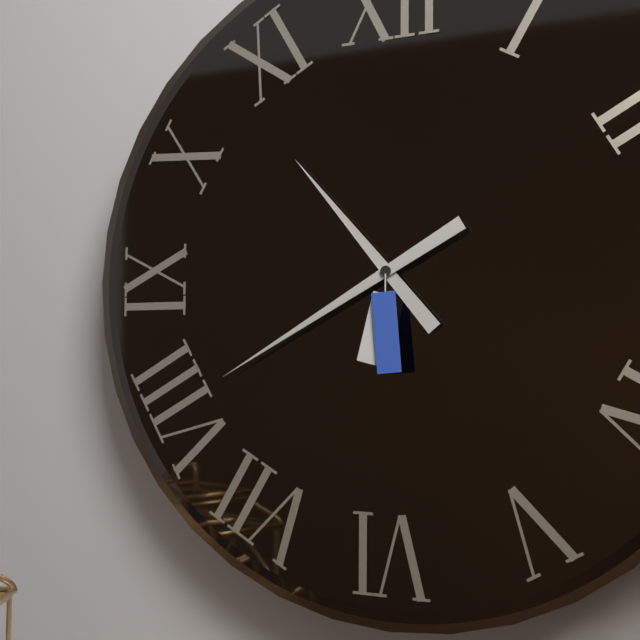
**10:40**
